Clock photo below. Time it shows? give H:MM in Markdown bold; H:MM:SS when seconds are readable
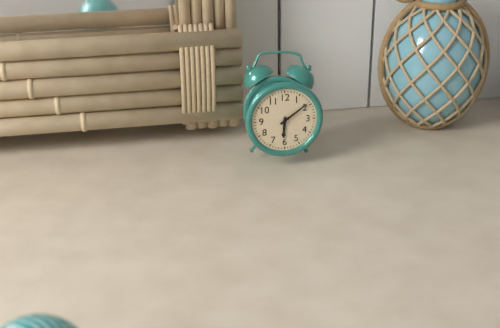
**6:09**
